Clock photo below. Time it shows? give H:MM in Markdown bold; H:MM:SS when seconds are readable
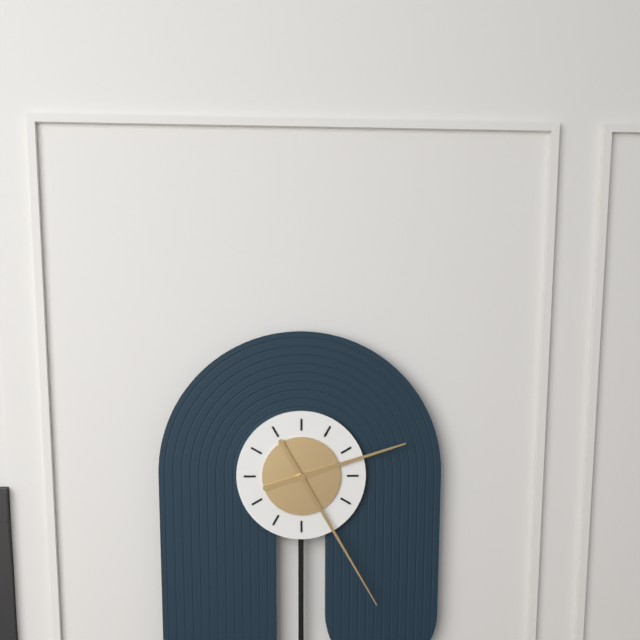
**2:25**
